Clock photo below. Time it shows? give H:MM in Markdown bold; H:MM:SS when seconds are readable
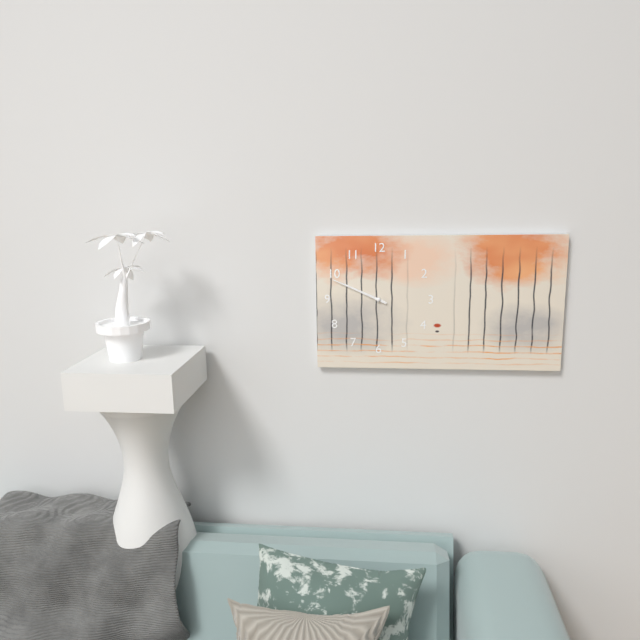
**9:49**
